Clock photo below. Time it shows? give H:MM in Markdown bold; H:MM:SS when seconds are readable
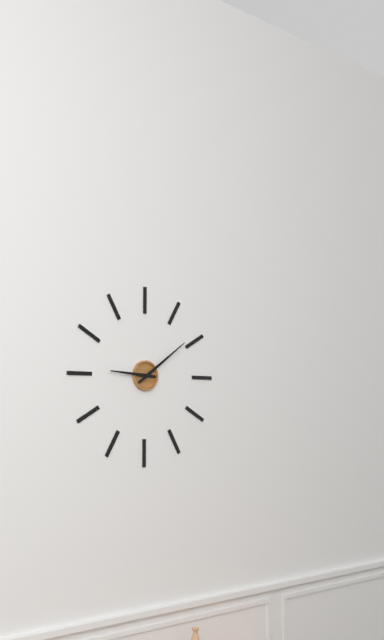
**9:09**
